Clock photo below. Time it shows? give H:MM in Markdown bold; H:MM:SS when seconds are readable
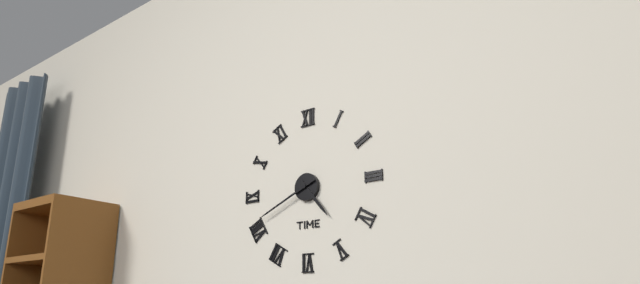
**4:41**
